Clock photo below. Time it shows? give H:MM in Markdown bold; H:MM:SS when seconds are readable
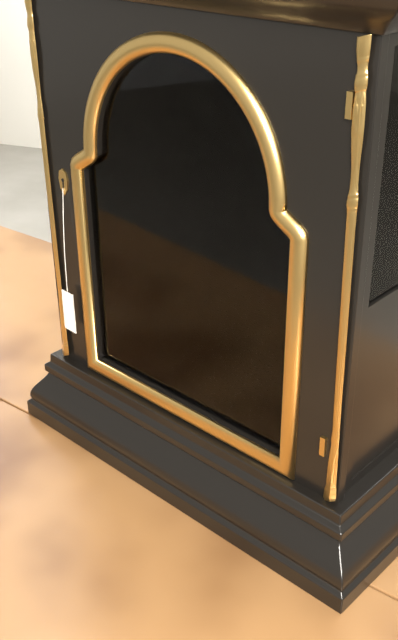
**4:53**
